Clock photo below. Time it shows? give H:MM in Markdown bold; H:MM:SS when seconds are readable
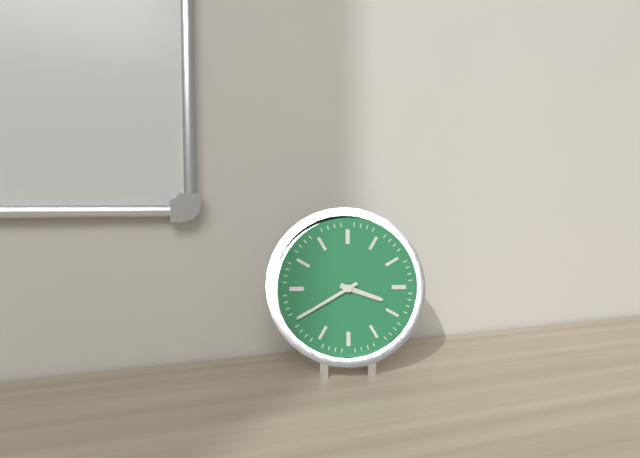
**3:40**
